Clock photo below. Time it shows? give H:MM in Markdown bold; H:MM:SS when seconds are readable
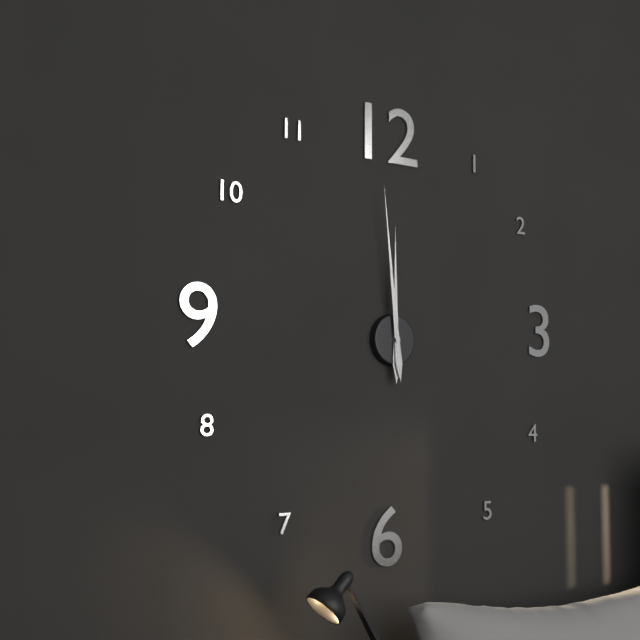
**11:59**
